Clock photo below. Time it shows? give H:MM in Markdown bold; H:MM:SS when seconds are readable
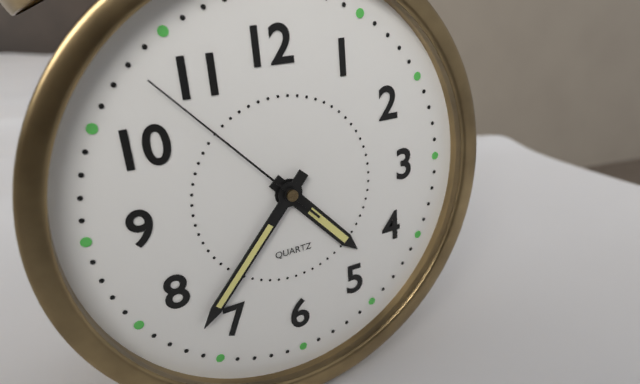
**4:37:53**
